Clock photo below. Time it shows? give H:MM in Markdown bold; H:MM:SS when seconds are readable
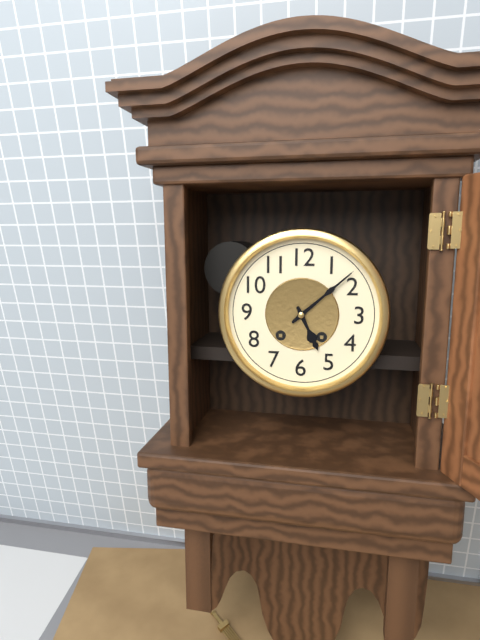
**5:08**
